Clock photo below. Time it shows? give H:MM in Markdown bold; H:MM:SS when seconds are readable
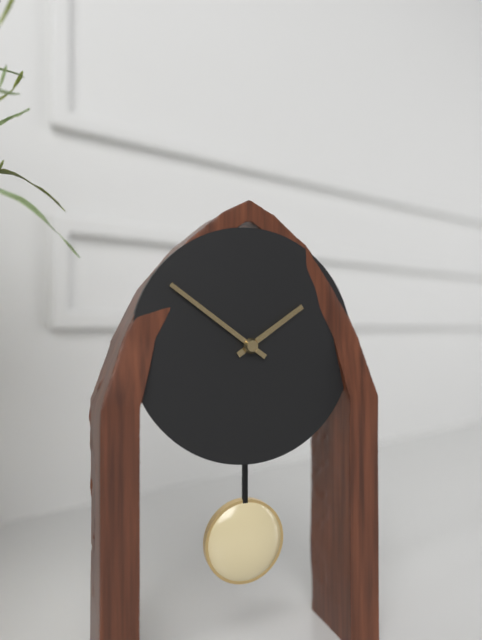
**1:51**
